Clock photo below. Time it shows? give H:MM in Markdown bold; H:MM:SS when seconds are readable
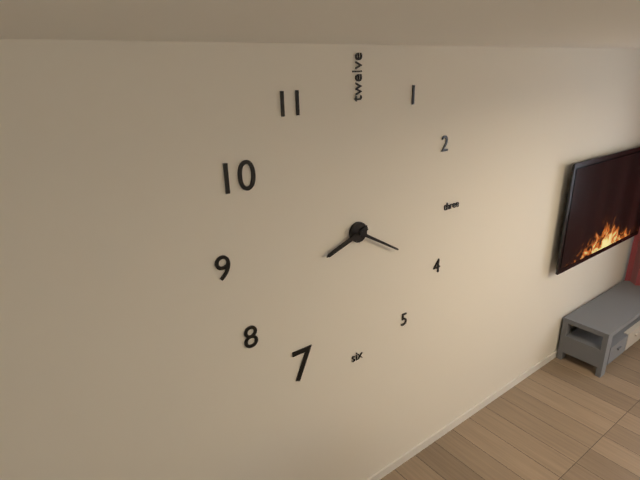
**8:20**
